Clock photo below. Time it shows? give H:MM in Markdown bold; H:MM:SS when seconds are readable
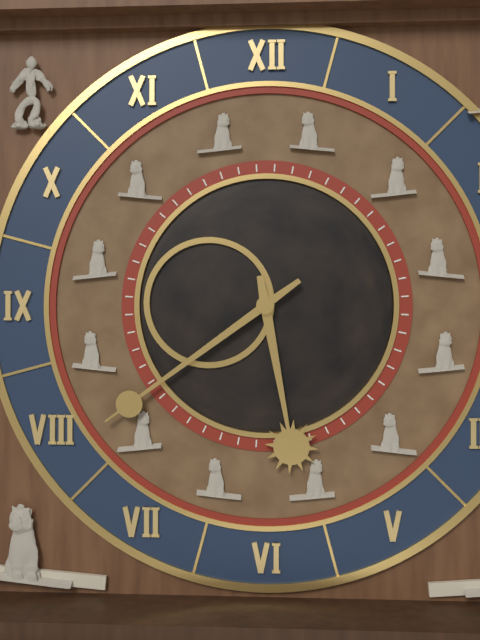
**5:39**
